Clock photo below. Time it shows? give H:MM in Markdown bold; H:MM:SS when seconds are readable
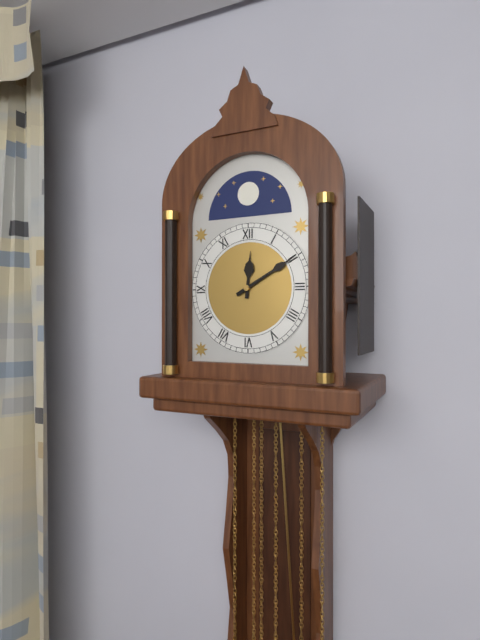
**12:10**
